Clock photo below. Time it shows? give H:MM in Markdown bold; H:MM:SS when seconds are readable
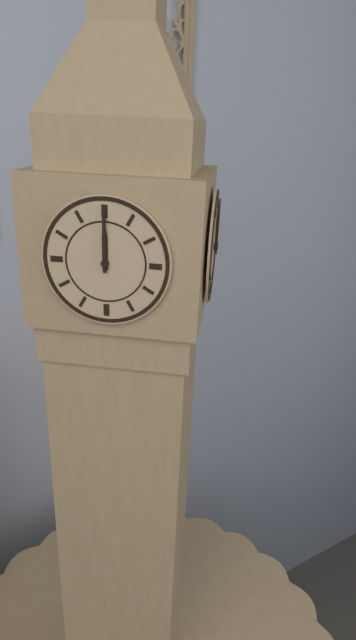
**12:00**
